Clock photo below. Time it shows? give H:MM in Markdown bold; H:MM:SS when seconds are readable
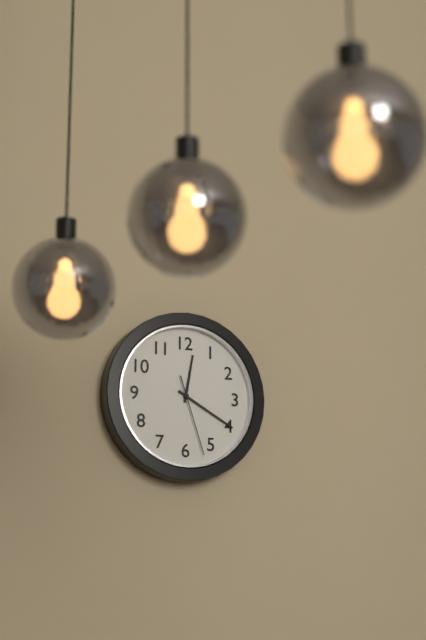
**12:20:27**
